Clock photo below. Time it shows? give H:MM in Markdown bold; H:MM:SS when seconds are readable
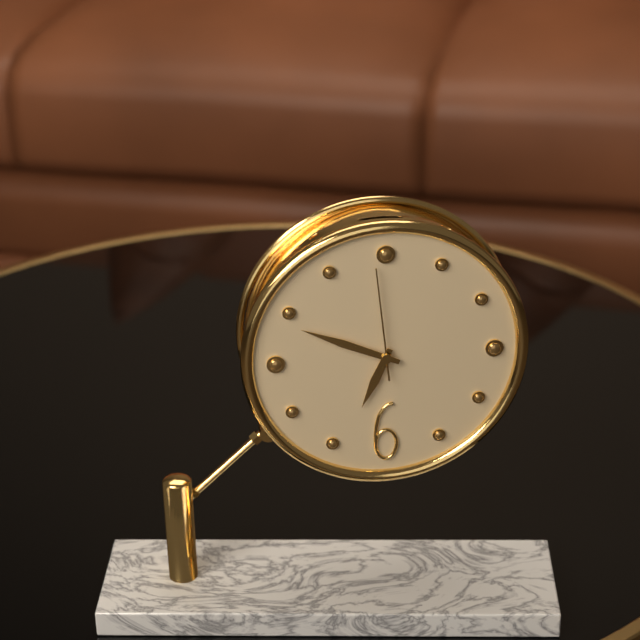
**6:49:59**
